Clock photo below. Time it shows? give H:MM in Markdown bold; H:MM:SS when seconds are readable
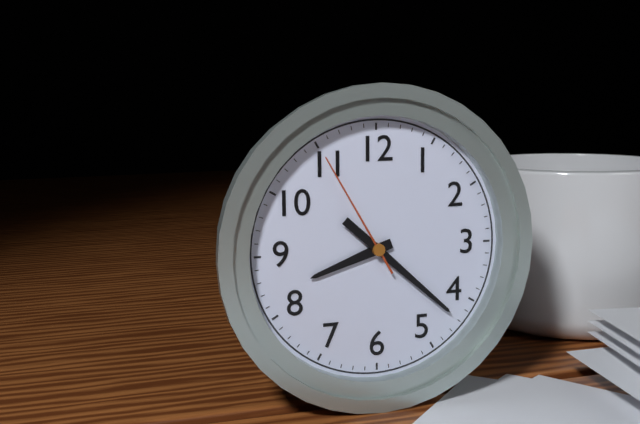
**8:22:55**
